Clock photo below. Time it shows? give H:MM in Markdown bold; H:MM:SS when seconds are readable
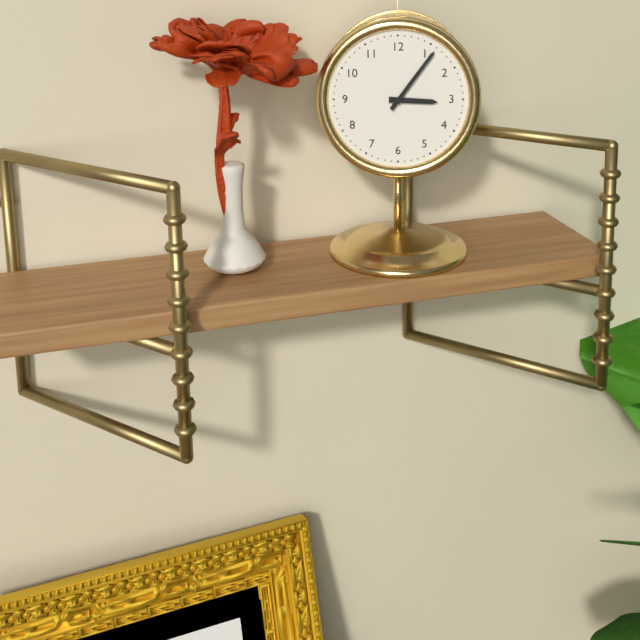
**3:06**
